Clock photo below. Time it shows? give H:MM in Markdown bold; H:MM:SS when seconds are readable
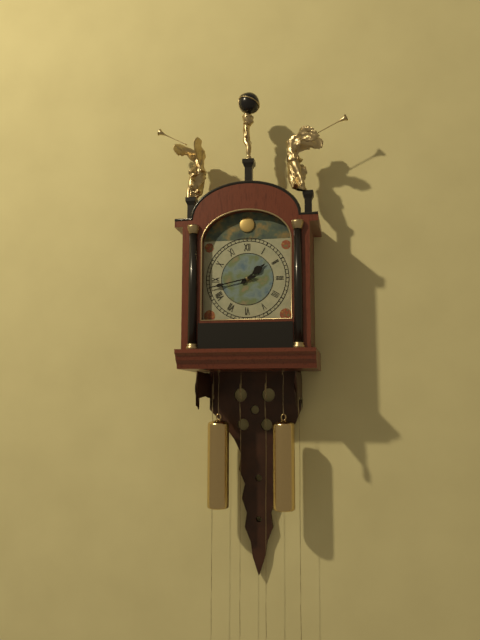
**1:43**
